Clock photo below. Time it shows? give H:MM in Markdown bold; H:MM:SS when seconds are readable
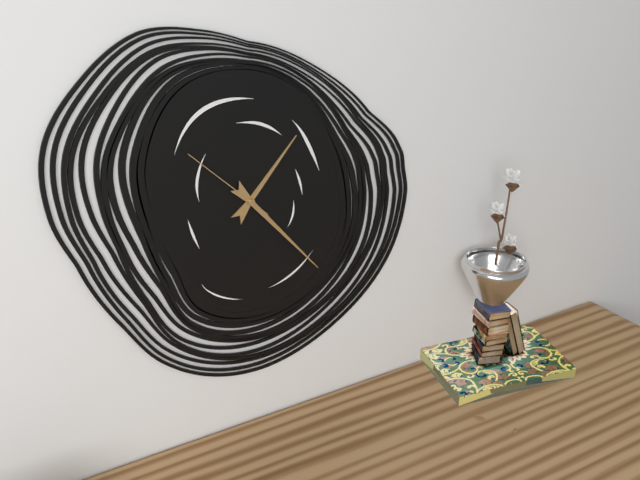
**1:23:52**
